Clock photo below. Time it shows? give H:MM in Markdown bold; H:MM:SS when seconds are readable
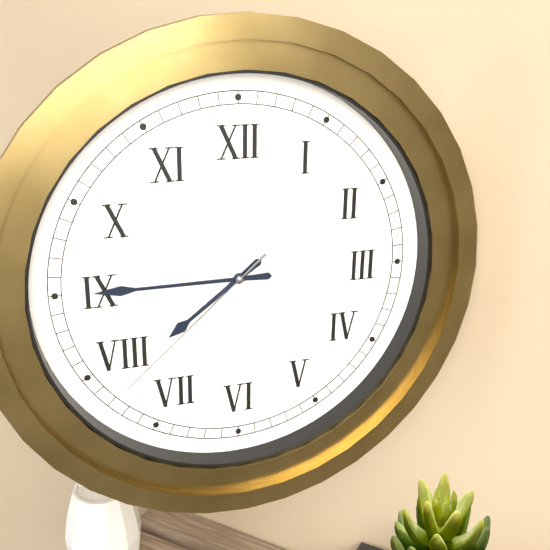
**7:45:38**
